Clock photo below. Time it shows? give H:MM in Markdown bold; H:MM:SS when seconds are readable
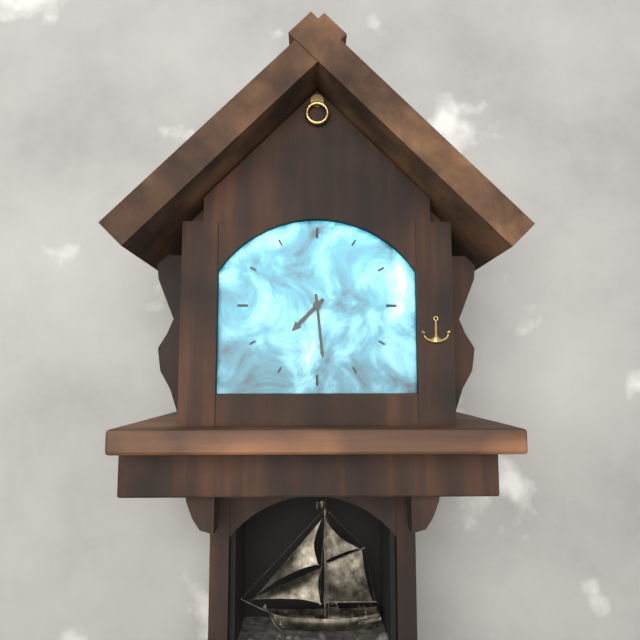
**7:29**
